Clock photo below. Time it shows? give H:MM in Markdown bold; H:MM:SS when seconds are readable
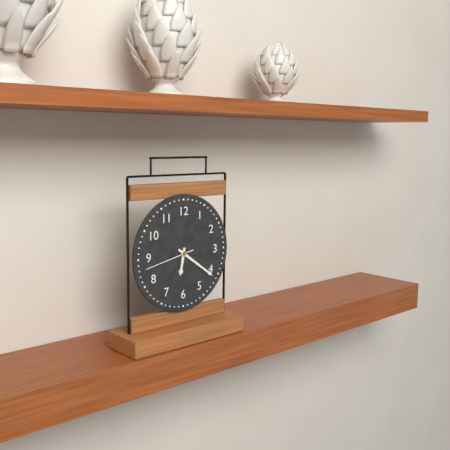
**6:21:43**
